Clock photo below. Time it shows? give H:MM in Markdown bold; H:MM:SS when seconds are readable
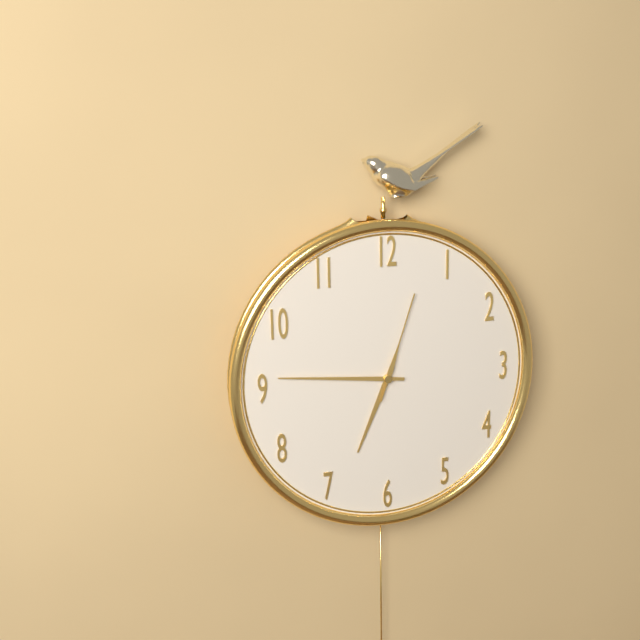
**6:46:03**
